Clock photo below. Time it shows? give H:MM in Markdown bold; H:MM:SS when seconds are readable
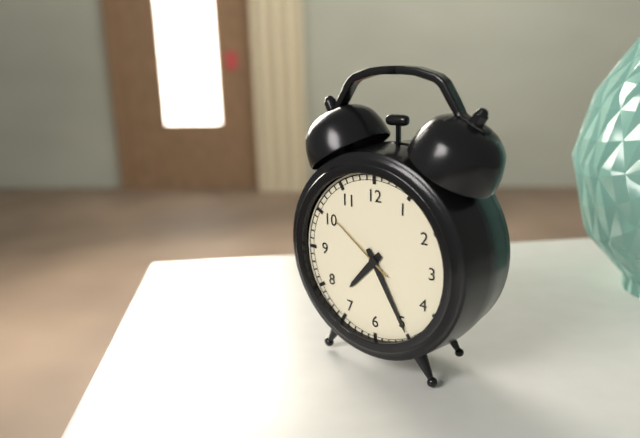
**7:25:51**
